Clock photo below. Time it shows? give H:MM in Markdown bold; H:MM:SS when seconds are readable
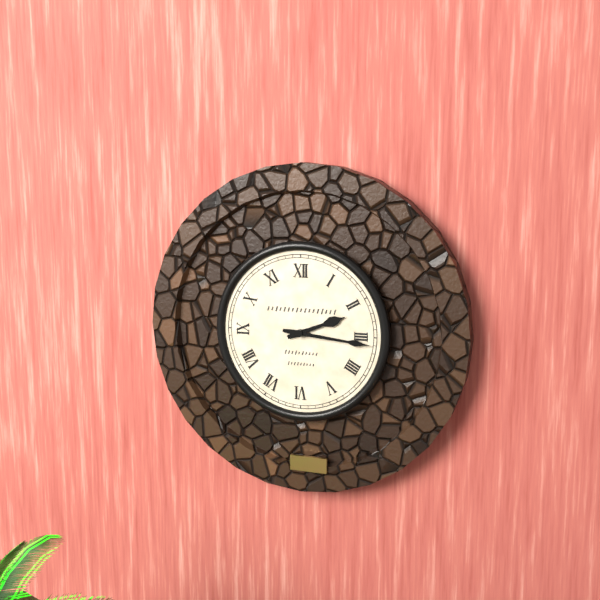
**2:16**
